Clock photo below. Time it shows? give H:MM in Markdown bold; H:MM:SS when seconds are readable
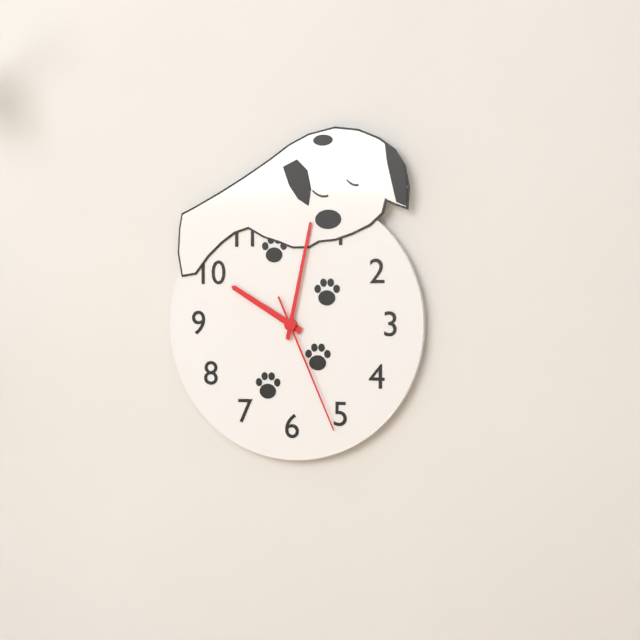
**10:02:26**
